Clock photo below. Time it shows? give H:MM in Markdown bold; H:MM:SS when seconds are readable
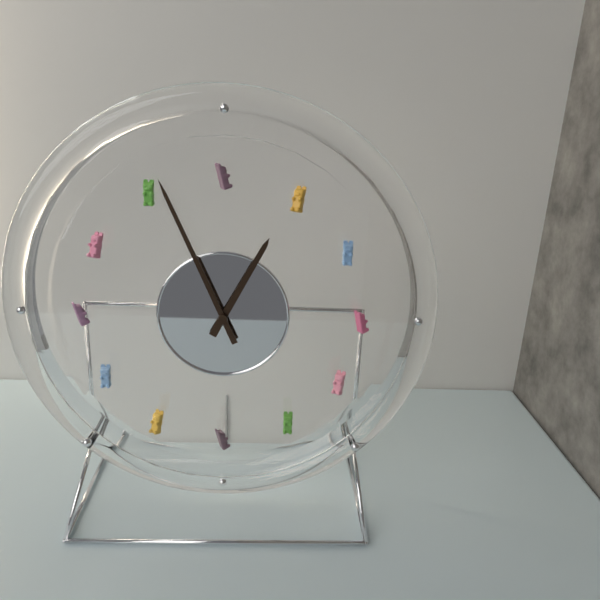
**12:56**
